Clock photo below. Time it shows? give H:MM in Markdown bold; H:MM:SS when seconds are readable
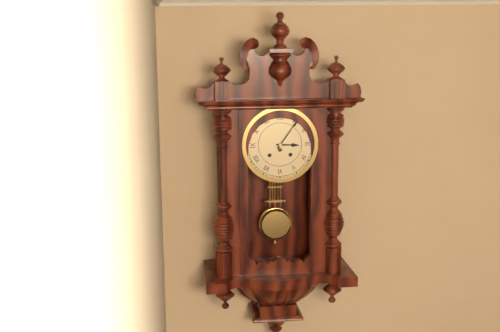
**3:06**
